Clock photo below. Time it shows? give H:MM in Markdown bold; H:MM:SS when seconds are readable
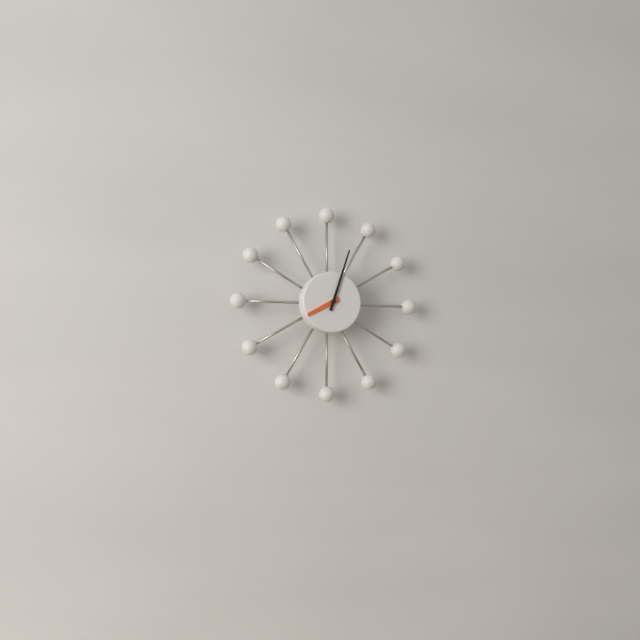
**8:03**
